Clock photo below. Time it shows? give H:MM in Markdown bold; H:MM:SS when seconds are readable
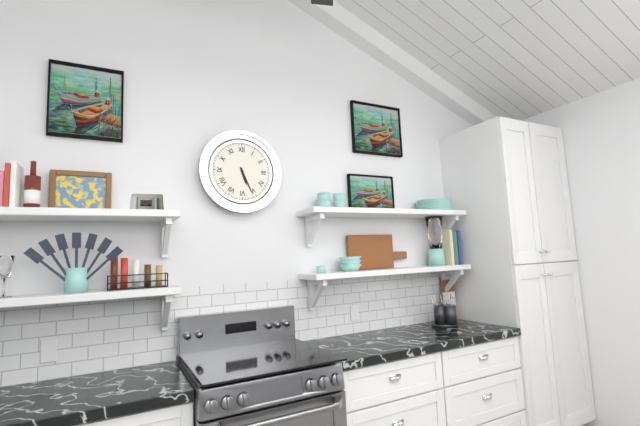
**5:26**
